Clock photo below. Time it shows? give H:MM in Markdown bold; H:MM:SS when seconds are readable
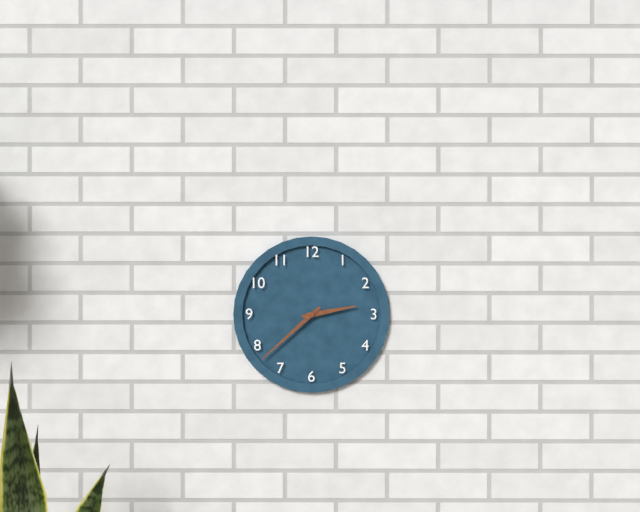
**2:38**
